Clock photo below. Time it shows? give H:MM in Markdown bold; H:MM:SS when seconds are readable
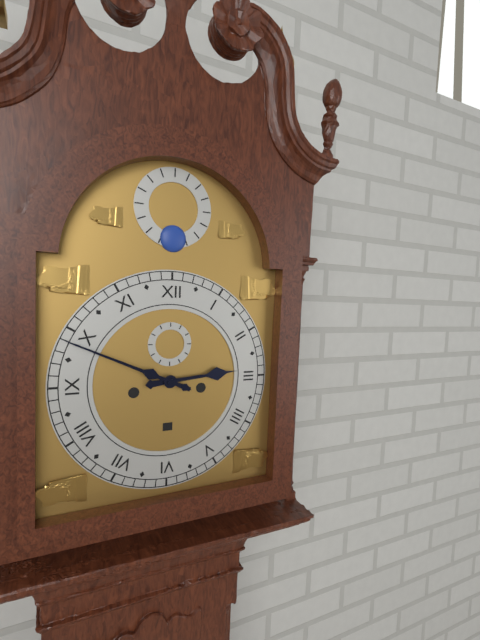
**2:49**
